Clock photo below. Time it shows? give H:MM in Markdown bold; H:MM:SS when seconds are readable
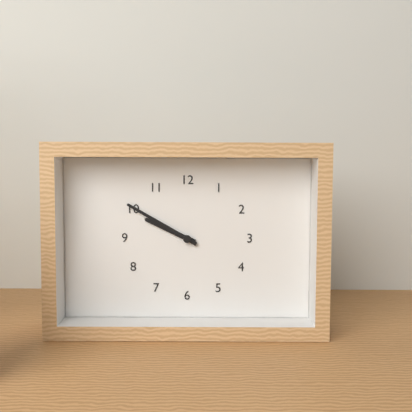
**9:50**
